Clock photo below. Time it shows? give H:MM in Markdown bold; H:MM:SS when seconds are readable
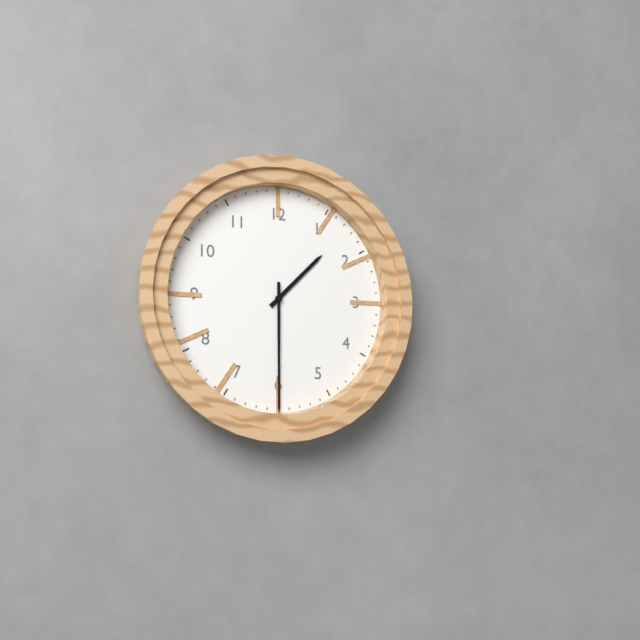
**1:30**
